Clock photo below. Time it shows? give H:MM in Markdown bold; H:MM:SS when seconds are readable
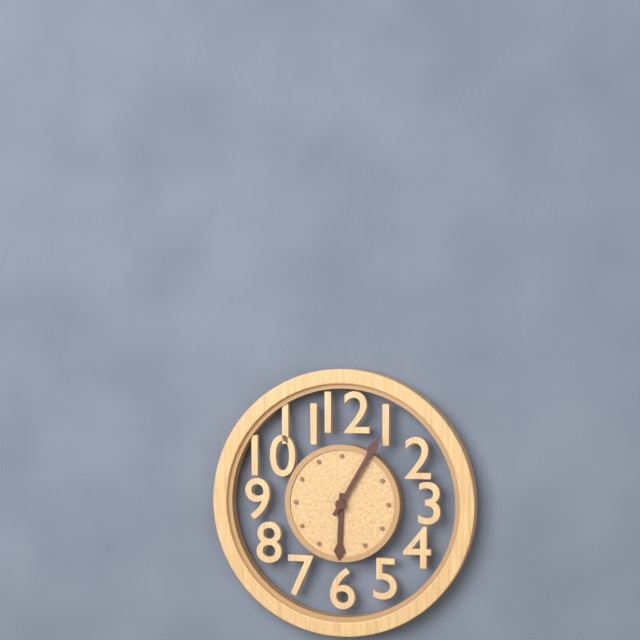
**6:05**
